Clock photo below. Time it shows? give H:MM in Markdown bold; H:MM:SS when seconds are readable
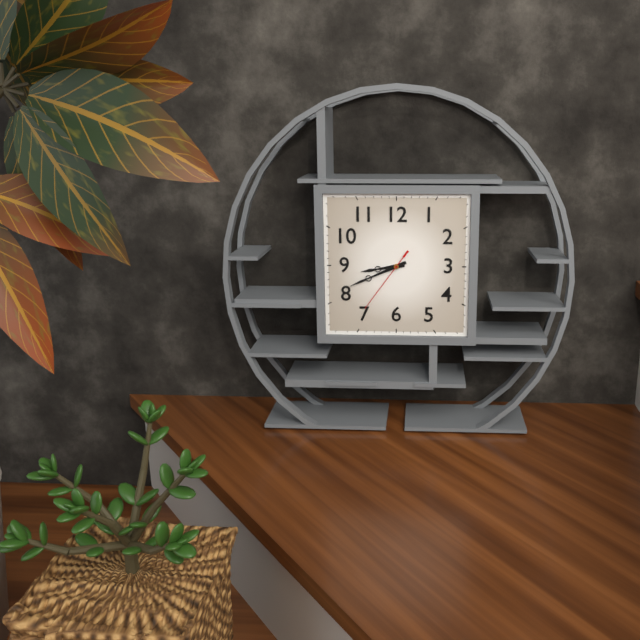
**8:41:36**
